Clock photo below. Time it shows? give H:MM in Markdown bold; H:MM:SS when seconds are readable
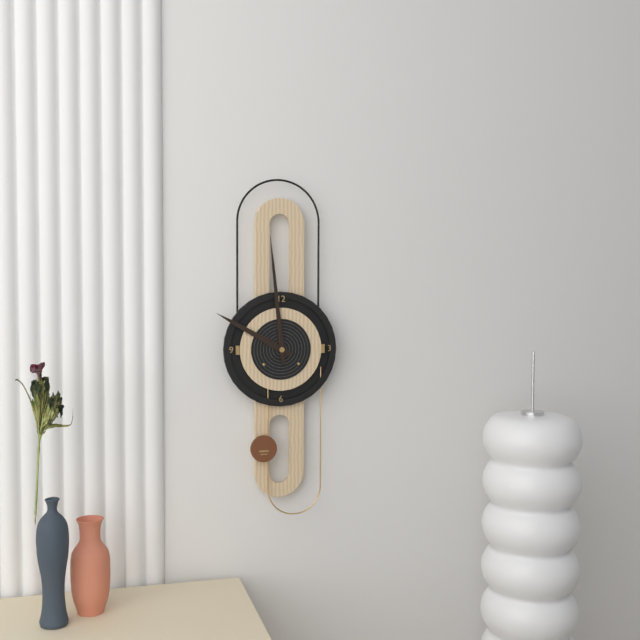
**9:59**
